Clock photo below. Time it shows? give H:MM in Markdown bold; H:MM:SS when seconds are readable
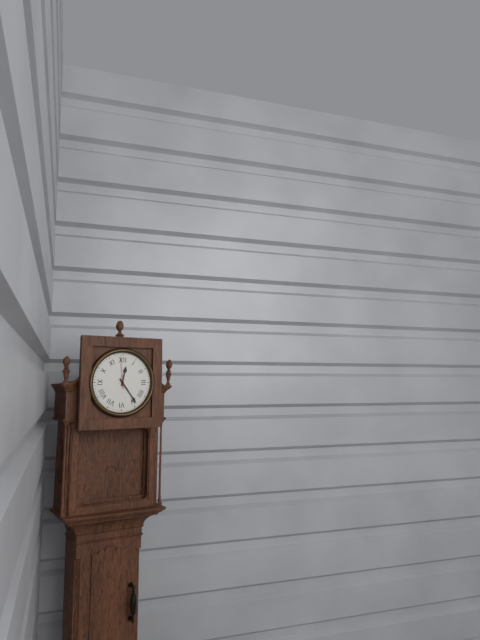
**12:24**
